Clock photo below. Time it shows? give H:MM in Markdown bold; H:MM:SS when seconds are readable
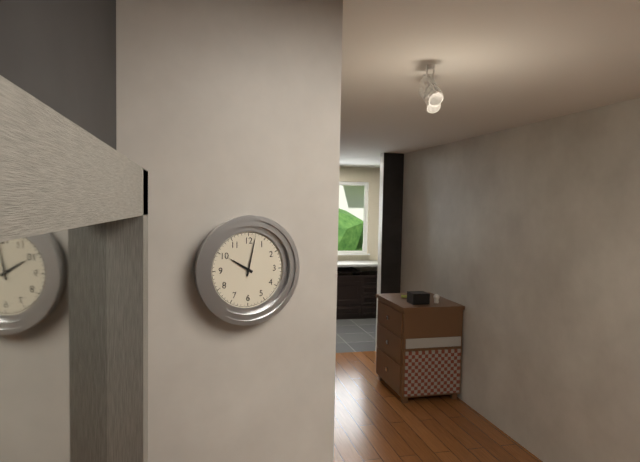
**10:02**
